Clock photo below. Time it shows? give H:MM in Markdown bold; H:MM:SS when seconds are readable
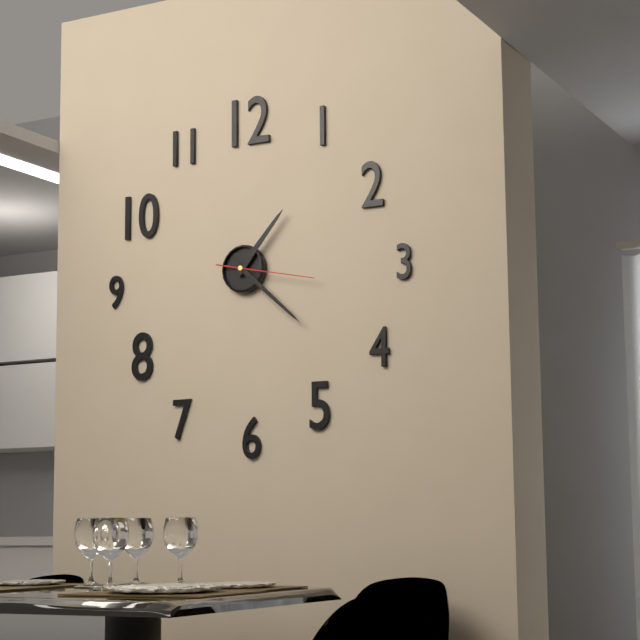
**1:22:17**
